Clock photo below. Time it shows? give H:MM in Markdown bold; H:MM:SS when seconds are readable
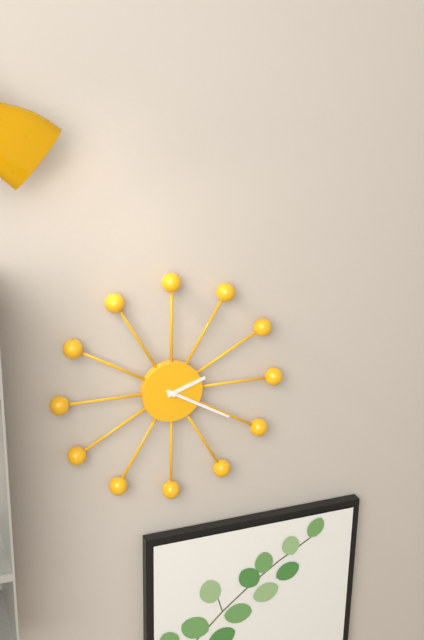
**2:20**
